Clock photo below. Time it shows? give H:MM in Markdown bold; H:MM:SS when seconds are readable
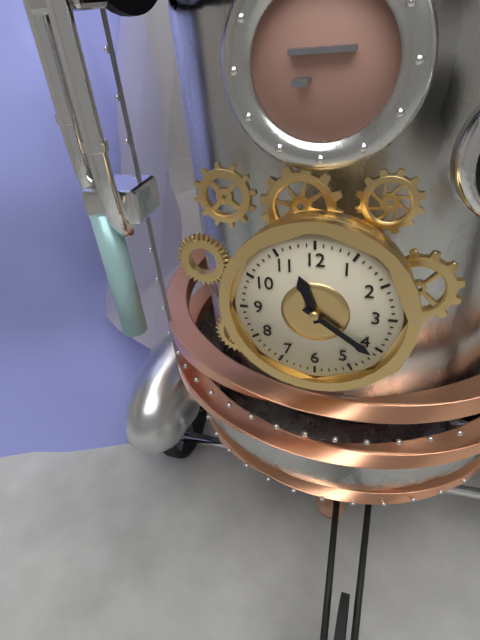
**11:21**
